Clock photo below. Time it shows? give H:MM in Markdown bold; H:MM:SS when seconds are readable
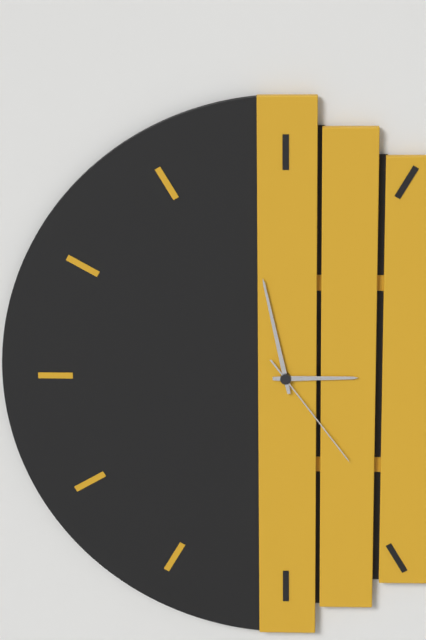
**2:58:24**
